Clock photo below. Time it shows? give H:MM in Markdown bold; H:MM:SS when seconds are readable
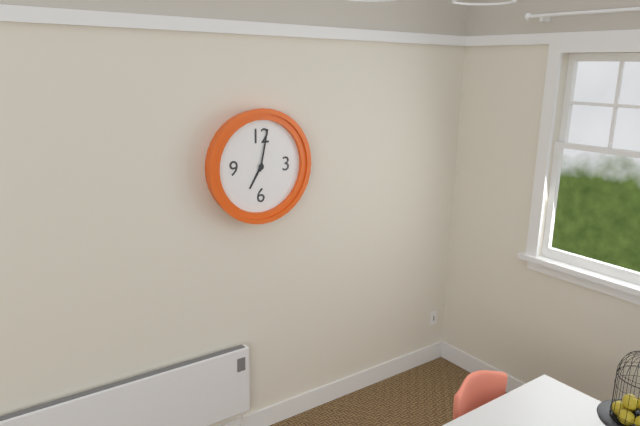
**7:02**
